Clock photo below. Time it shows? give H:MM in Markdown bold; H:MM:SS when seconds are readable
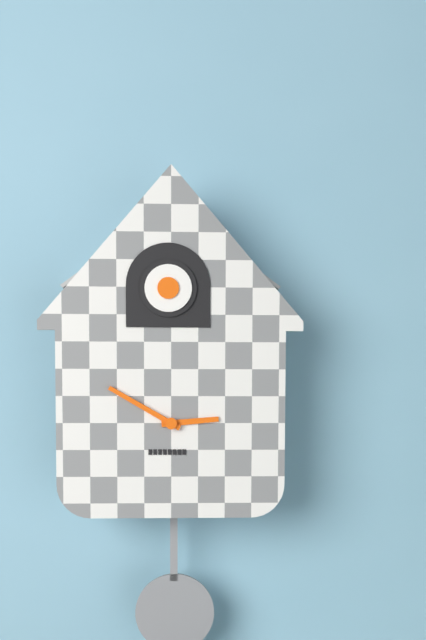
**2:50**
